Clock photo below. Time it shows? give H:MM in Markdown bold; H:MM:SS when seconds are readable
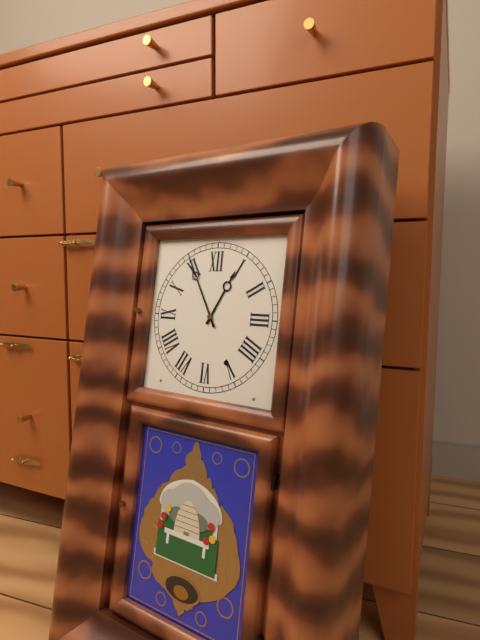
**12:55**
